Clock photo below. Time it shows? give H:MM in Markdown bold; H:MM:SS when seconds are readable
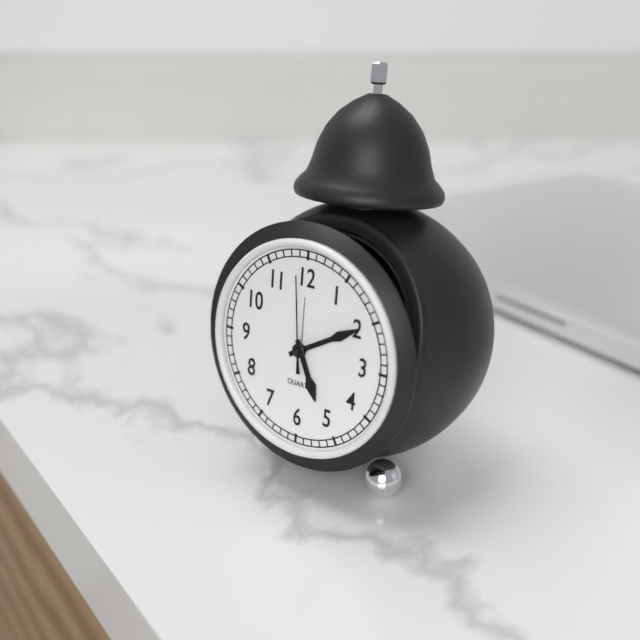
**5:10:59**
